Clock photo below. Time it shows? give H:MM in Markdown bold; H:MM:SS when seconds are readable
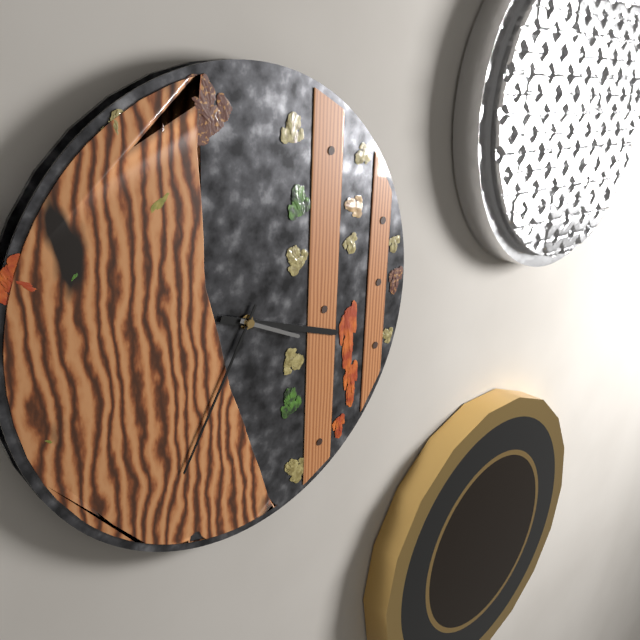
**3:35:19**
